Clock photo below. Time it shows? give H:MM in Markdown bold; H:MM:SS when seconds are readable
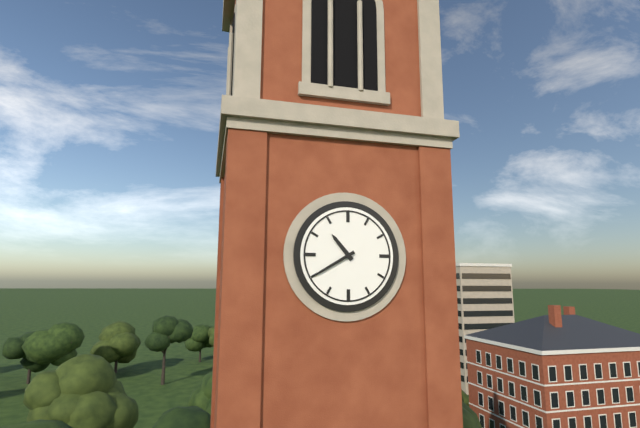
**10:40**
